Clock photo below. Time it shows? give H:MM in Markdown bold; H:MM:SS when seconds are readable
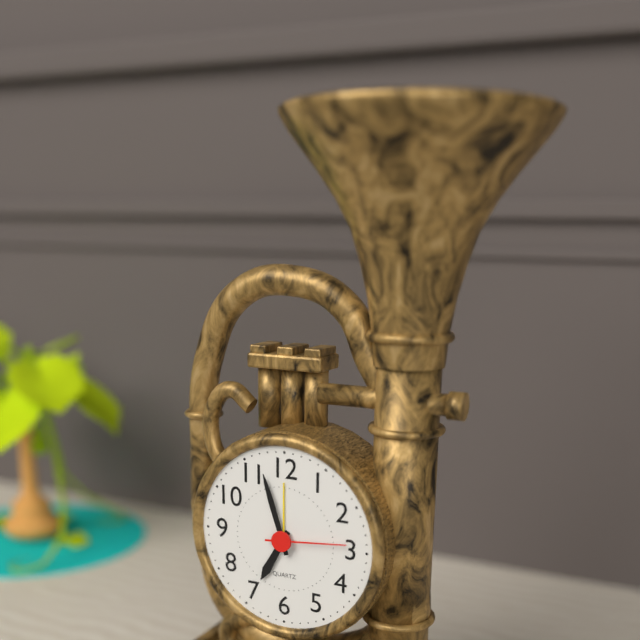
**6:57:14**
